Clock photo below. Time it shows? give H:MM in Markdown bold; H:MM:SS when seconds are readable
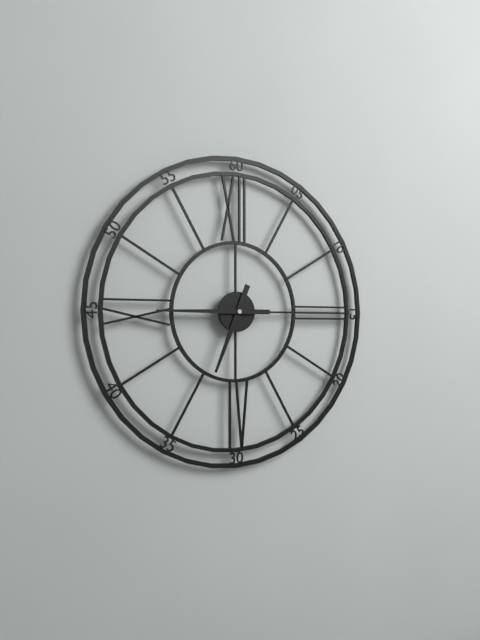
**6:45**
